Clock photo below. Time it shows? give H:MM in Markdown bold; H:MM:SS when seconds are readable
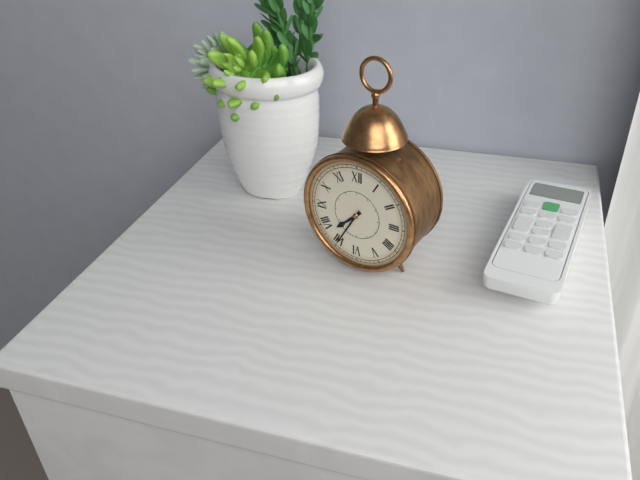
**7:35**
